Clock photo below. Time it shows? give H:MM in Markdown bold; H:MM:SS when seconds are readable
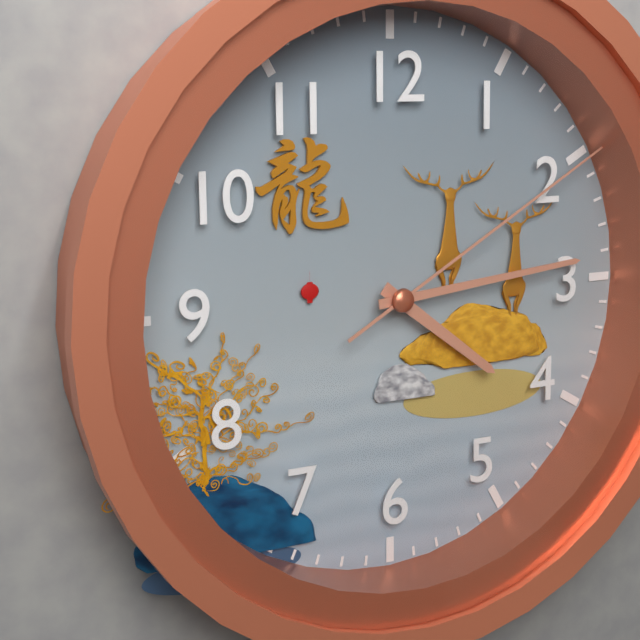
**4:14:10**
